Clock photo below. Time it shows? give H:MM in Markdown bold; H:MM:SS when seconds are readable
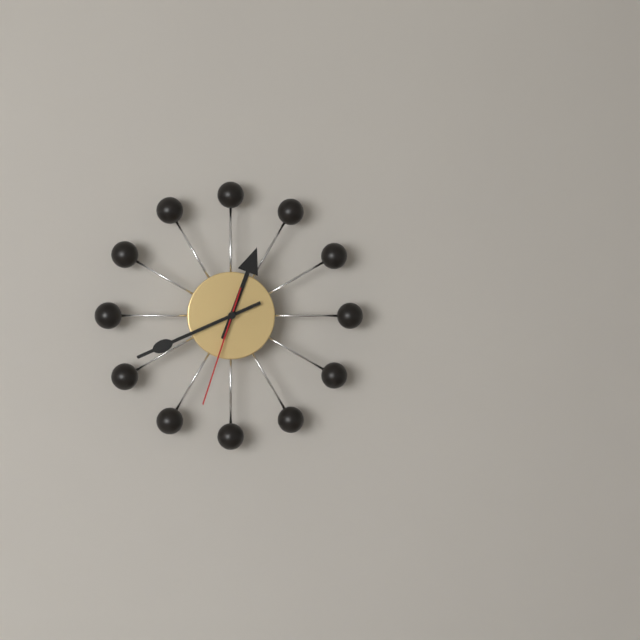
**12:41:33**
